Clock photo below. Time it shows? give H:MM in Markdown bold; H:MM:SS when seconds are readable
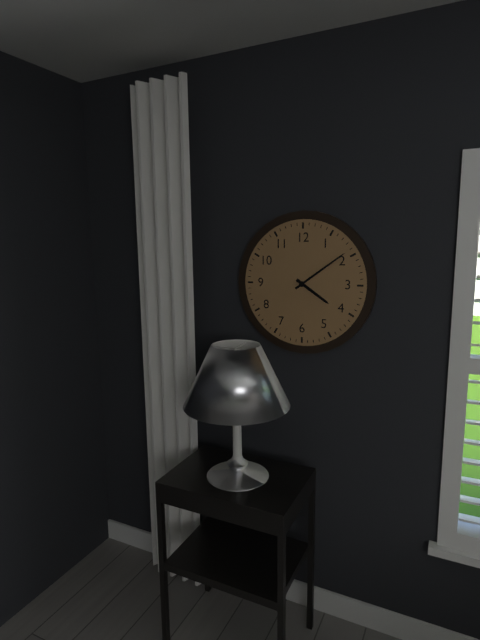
**4:09**
